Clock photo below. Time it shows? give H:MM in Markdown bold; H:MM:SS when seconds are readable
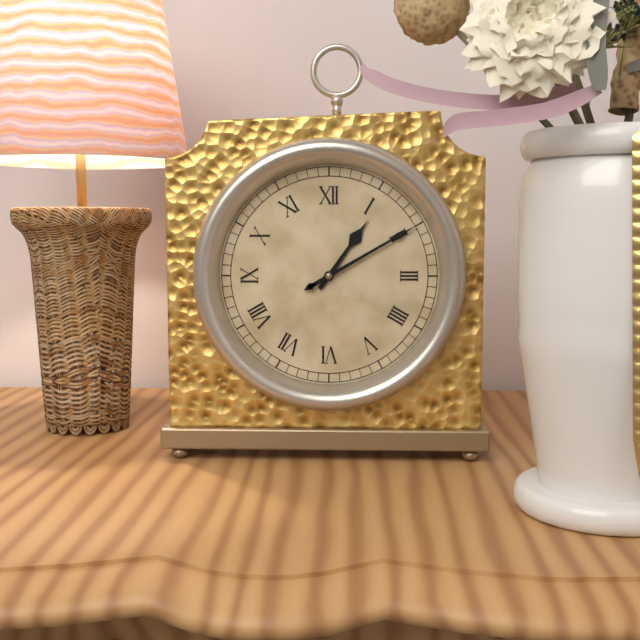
**1:10**
